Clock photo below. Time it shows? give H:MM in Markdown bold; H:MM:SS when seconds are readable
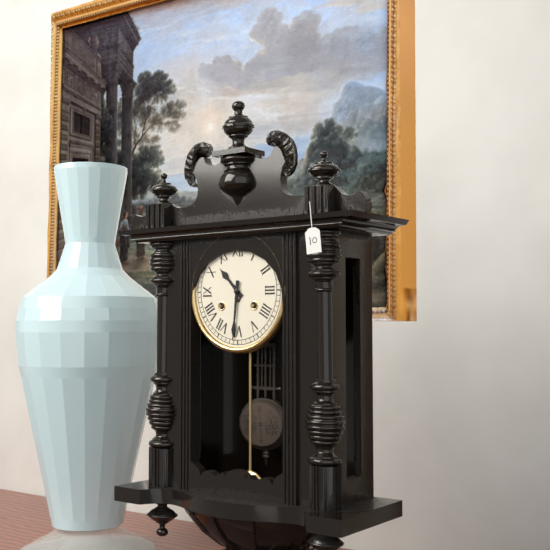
**10:31**
